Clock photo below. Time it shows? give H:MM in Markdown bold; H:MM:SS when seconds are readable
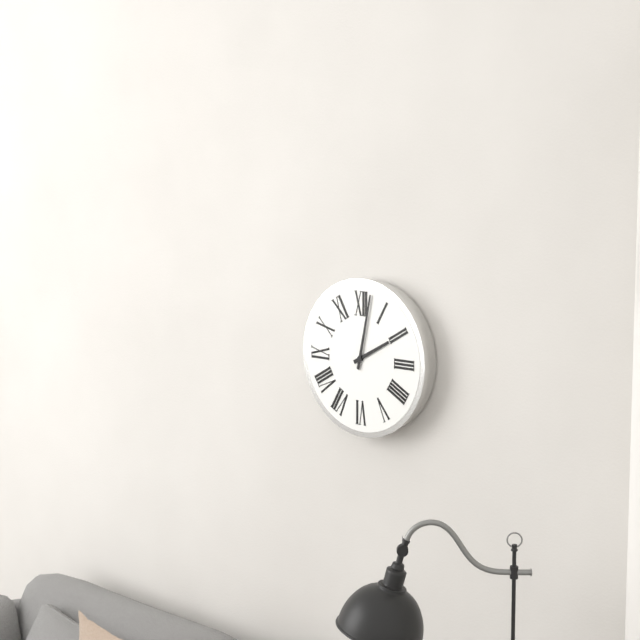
**2:02**
